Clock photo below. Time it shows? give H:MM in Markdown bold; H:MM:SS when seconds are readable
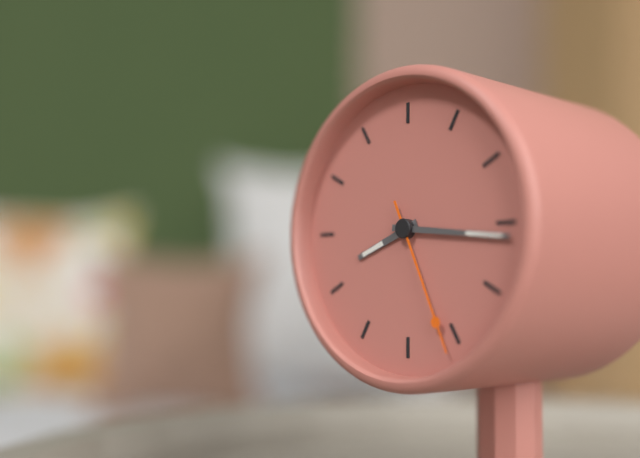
**8:16:26**
